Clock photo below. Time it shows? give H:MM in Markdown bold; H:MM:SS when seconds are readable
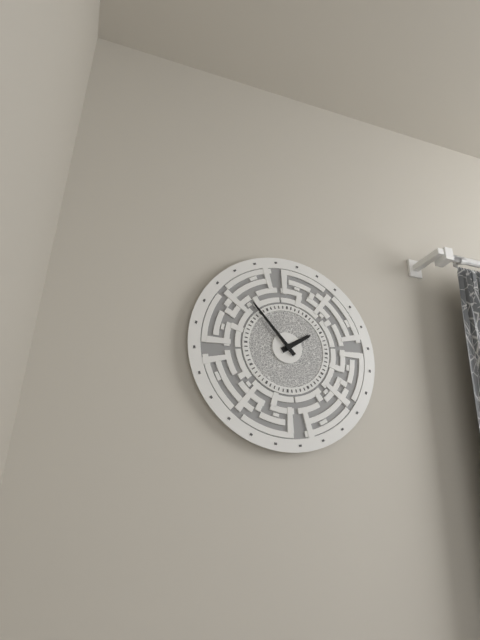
**1:53**
